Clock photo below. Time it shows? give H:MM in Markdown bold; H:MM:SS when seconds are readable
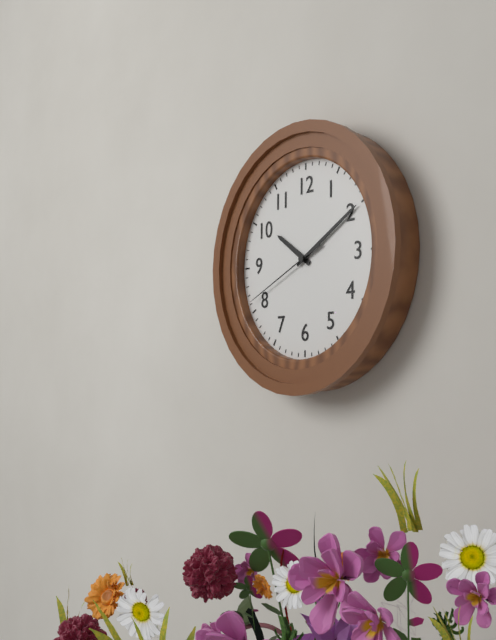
**10:10:41**
